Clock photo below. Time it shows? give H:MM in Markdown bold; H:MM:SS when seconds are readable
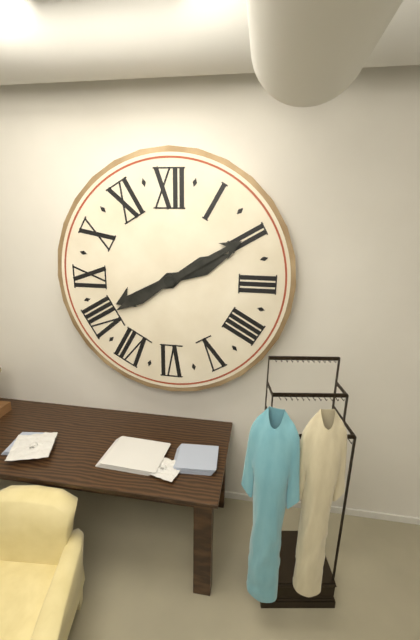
**8:10**
